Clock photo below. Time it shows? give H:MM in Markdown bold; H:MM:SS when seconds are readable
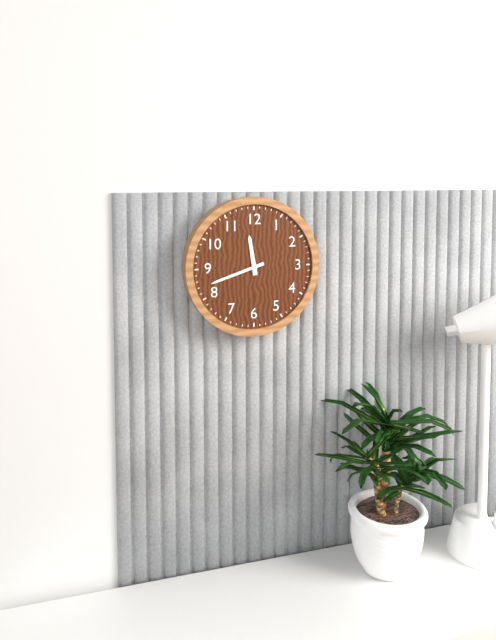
**11:42**
